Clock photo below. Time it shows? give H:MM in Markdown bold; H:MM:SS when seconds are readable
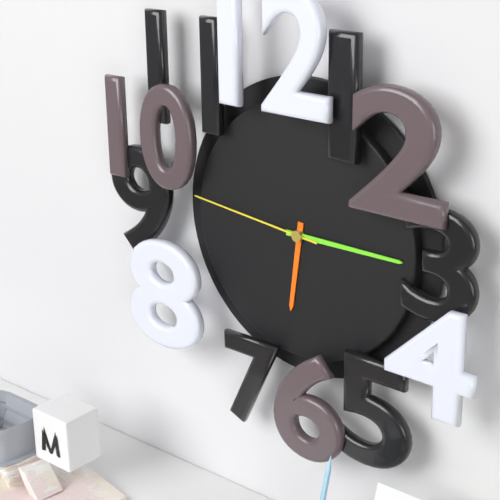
**6:15:46**
